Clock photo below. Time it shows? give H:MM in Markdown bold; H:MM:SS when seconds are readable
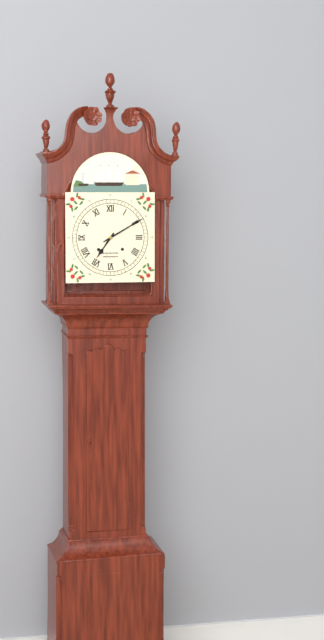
**7:10**
